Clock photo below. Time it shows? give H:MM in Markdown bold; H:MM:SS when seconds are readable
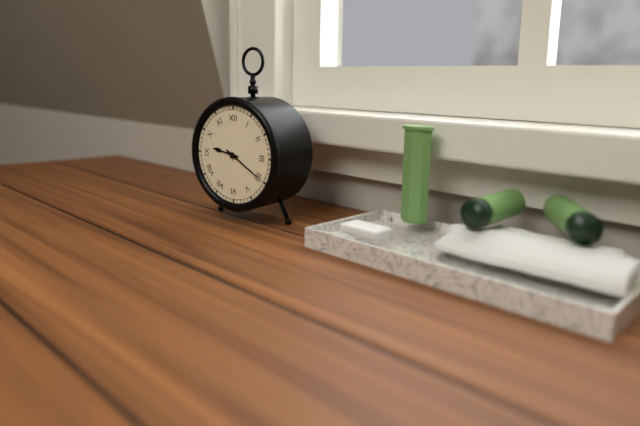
**9:20**
